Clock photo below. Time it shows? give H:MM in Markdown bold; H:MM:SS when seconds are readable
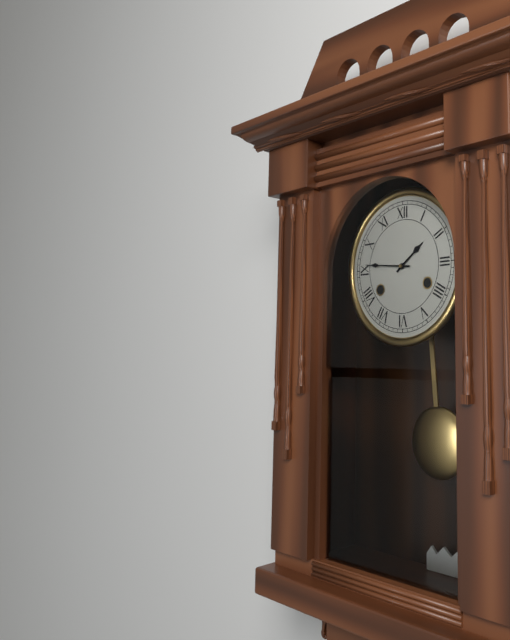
**1:46**
